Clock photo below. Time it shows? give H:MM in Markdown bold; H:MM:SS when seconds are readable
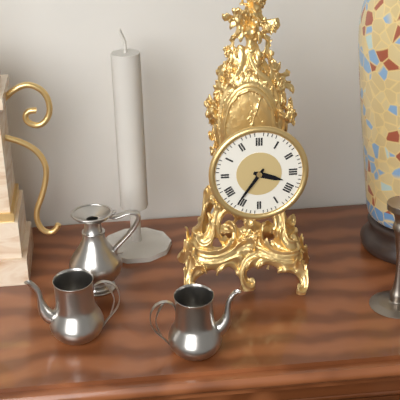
**3:36**
